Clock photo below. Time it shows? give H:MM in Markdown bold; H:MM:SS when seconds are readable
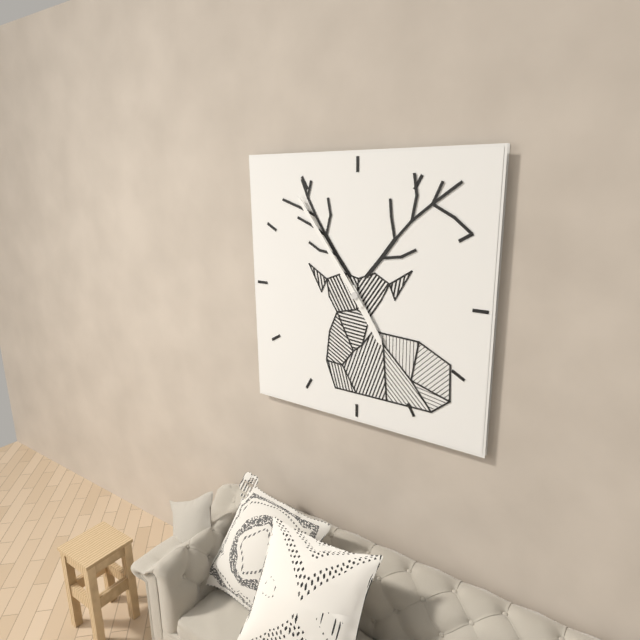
**4:54**
